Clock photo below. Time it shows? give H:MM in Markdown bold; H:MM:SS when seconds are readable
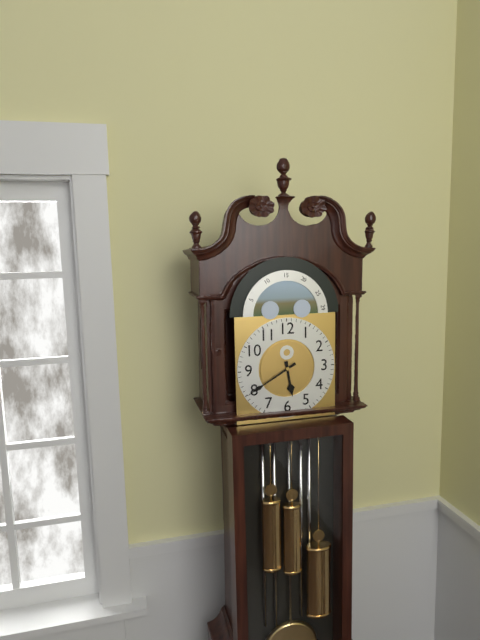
**5:40**
